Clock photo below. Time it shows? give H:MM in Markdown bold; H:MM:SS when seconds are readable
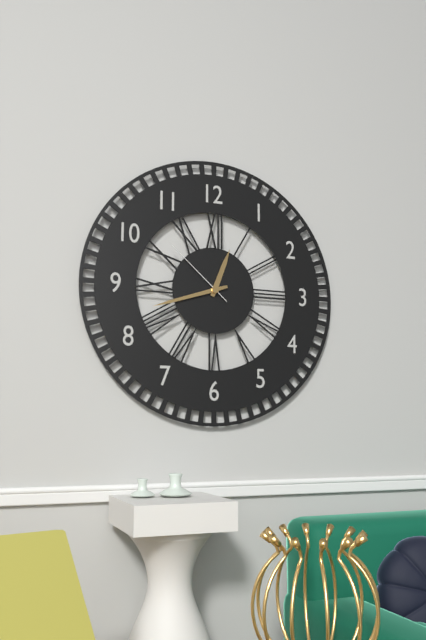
**12:42:52**
